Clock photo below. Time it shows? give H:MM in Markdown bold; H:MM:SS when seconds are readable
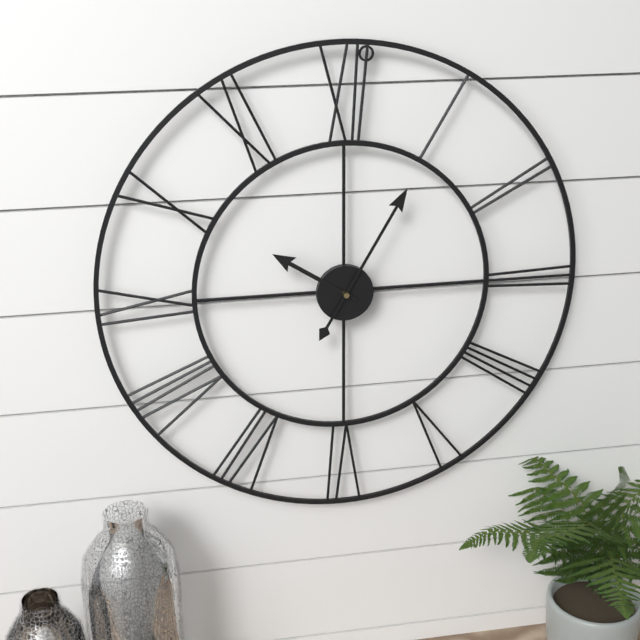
**10:05**
